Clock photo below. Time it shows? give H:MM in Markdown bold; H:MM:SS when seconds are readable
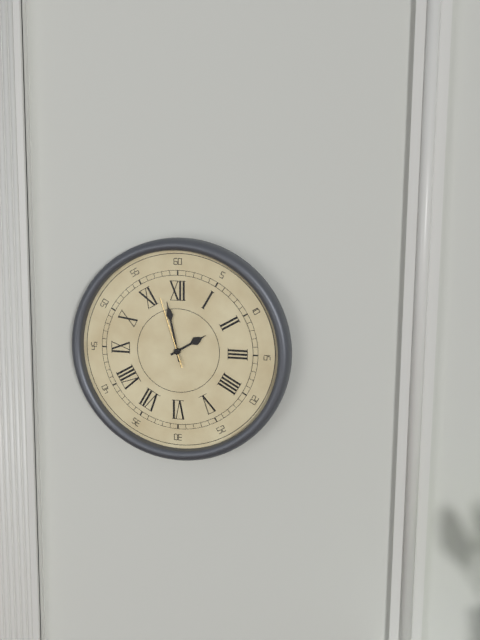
**1:58:57**
